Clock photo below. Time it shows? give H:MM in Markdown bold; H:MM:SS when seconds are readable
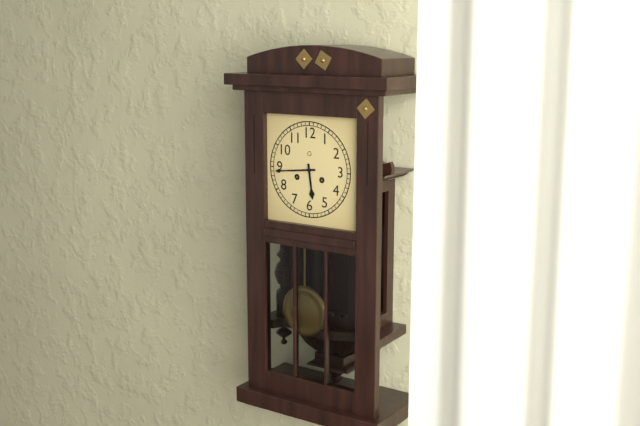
**5:44**
